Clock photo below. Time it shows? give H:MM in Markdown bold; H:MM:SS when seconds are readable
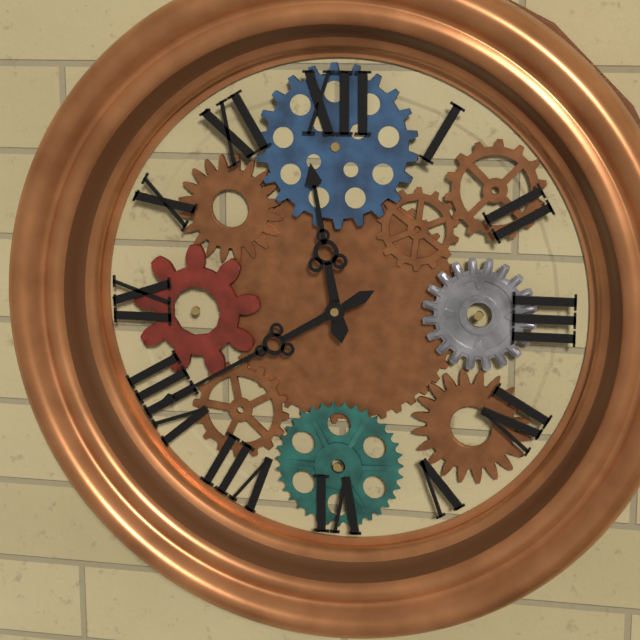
**11:40**
